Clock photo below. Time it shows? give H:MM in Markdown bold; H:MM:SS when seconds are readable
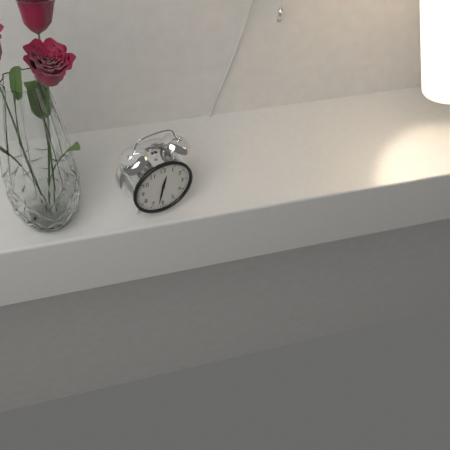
**12:32**
